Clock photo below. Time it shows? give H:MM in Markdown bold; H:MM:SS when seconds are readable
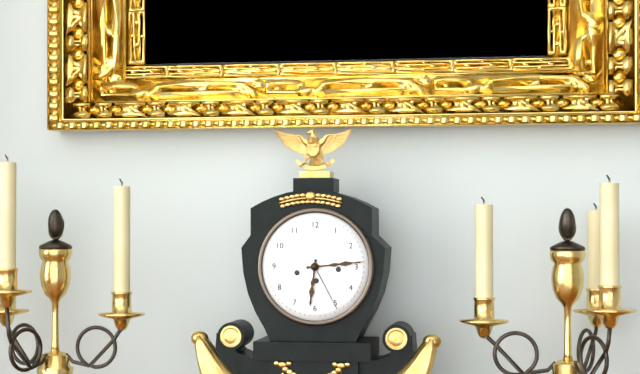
**6:14**
